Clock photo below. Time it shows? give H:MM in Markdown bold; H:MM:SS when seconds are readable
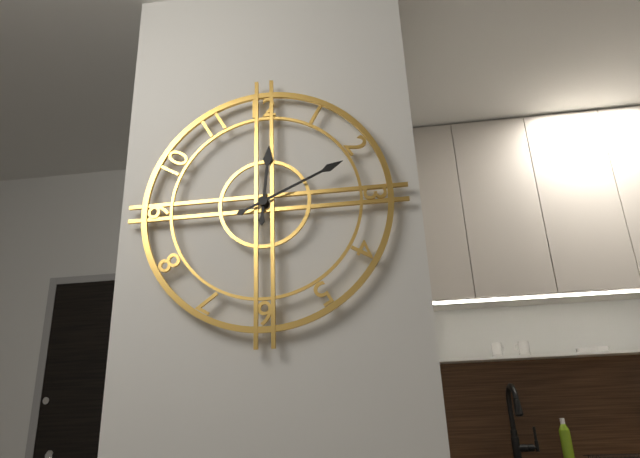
**12:11**
